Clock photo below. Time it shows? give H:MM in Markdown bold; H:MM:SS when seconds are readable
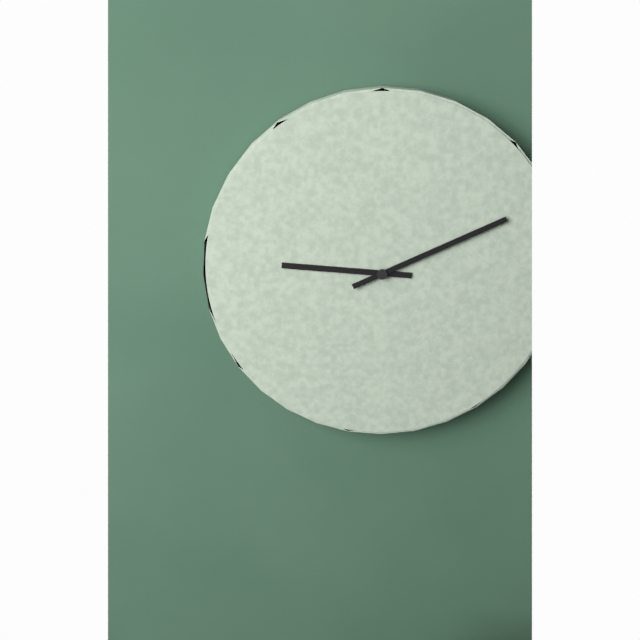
**9:11**
